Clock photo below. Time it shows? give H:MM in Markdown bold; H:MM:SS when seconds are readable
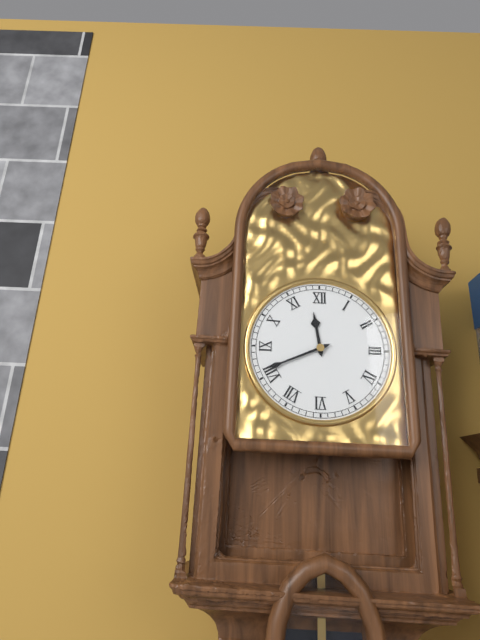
**11:41**
